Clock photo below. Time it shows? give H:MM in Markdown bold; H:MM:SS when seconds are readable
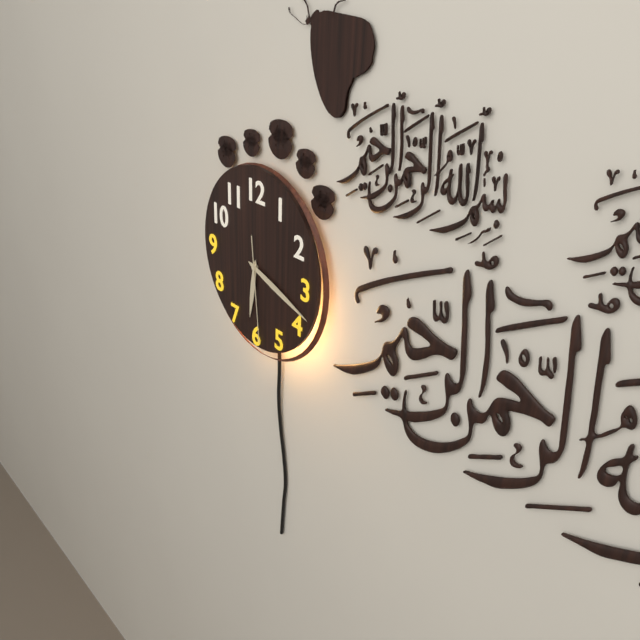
**6:18:29**
